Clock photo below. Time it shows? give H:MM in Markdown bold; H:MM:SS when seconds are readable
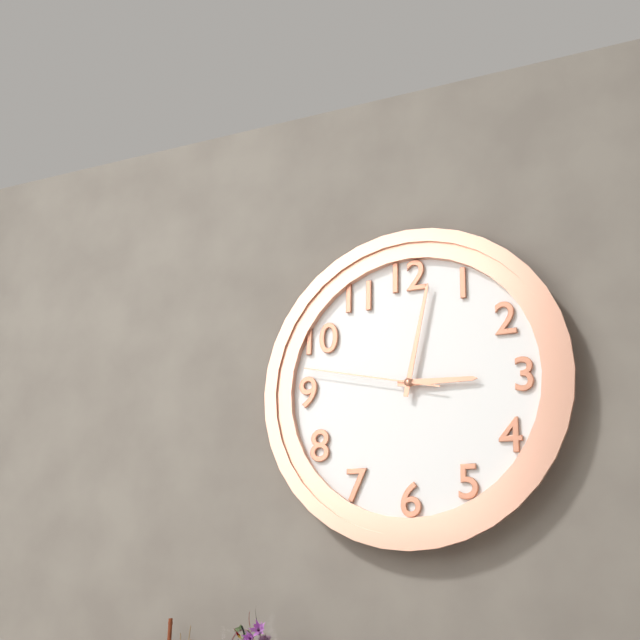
**3:02:47**
